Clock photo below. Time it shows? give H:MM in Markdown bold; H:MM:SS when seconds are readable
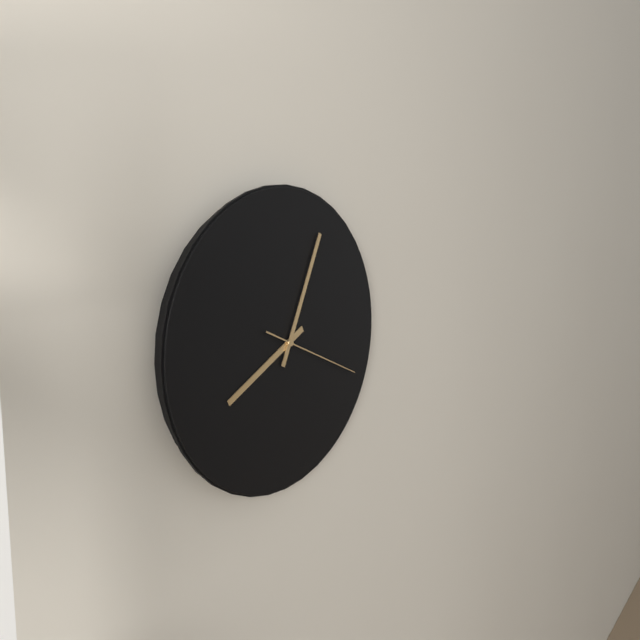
**8:04:19**
